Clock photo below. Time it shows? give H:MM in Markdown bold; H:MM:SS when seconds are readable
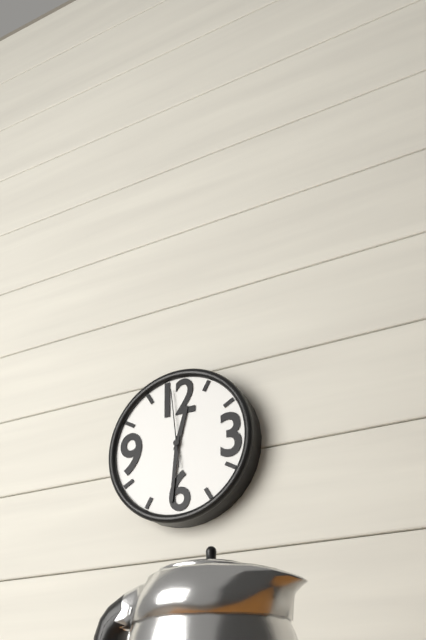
**12:31:59**
